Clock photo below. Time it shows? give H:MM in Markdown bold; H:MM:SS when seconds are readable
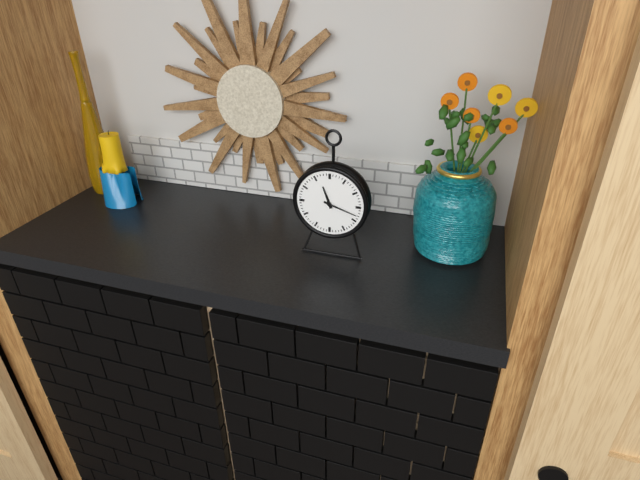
**11:18**
